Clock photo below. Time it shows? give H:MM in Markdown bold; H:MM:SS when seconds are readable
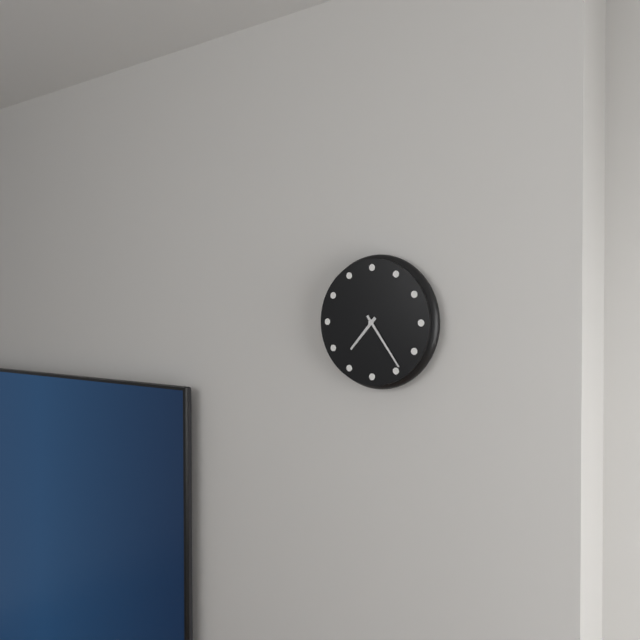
**7:24**
